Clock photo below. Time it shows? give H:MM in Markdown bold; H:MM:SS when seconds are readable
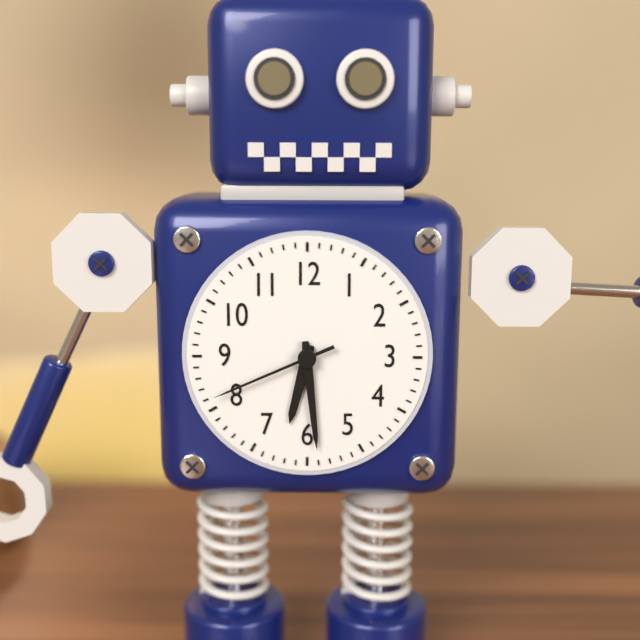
**6:29:41**
